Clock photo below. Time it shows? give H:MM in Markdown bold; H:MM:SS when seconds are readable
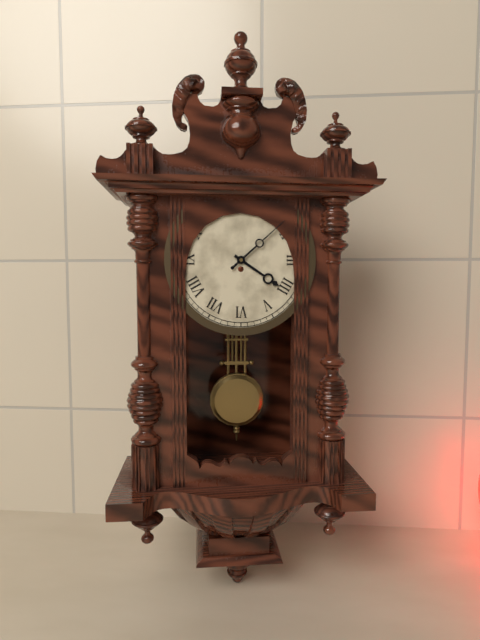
**4:08**
